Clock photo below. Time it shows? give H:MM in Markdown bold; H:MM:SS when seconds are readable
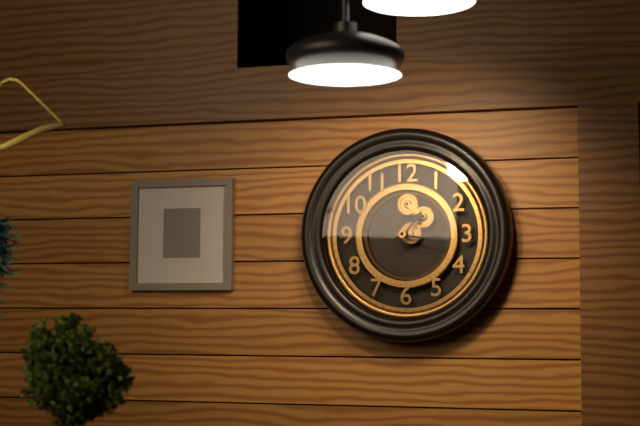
**1:17:19**
